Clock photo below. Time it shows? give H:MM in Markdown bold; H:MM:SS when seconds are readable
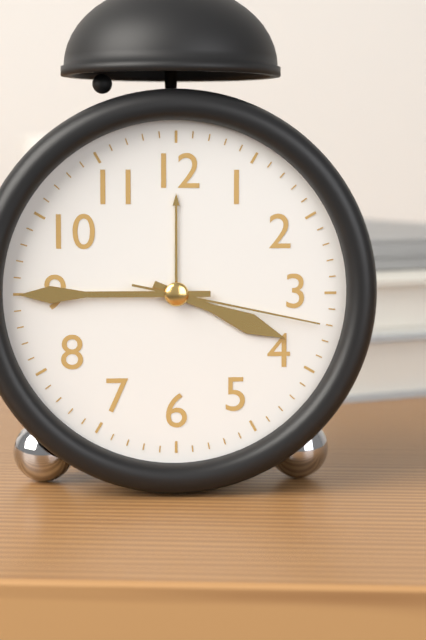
**3:45:17**
